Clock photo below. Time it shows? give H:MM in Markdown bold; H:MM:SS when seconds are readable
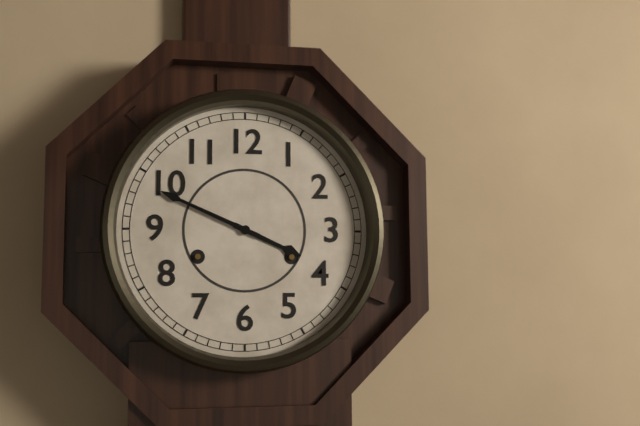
**3:49**
